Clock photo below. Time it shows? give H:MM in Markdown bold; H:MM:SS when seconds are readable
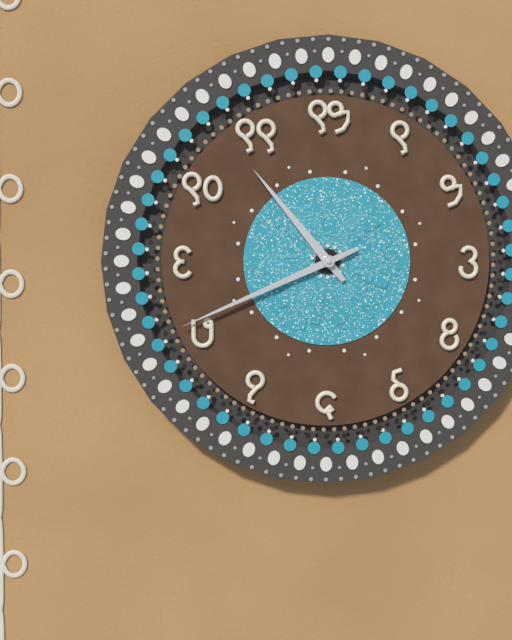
**10:41**
